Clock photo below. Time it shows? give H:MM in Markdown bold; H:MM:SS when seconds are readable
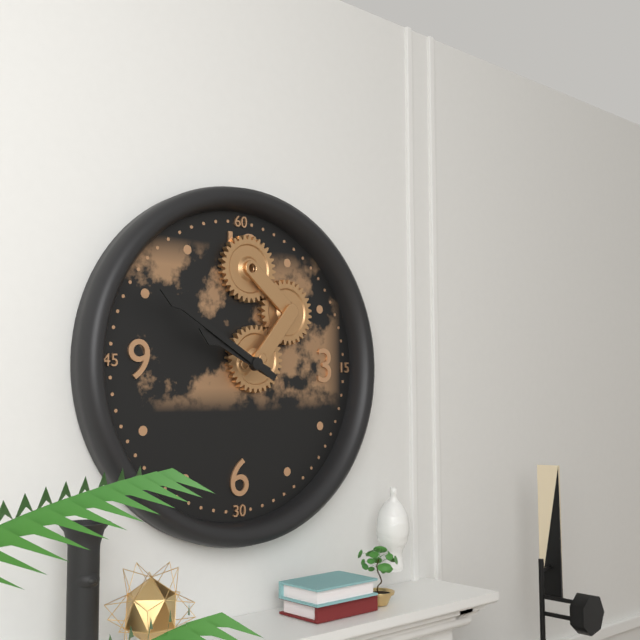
**9:50**
